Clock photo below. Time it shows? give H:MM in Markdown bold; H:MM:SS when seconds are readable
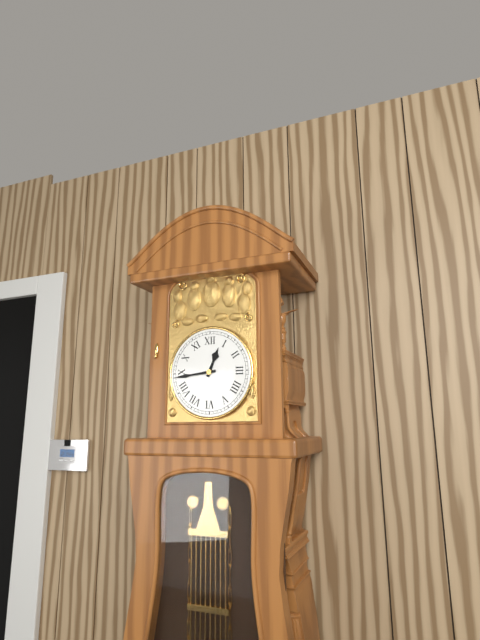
**12:44**
